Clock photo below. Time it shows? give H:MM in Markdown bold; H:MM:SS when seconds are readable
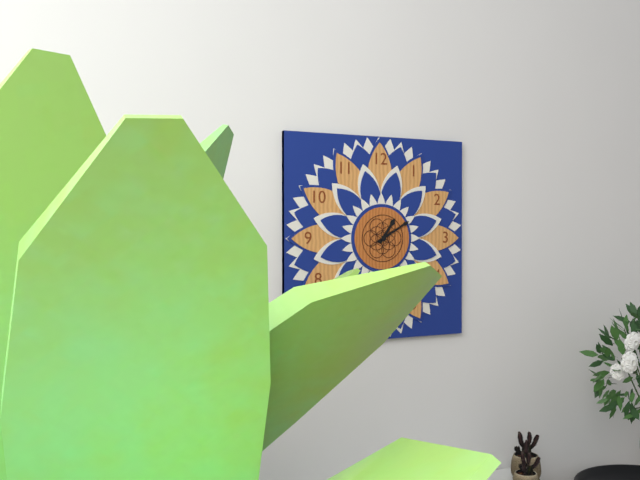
**1:10**
